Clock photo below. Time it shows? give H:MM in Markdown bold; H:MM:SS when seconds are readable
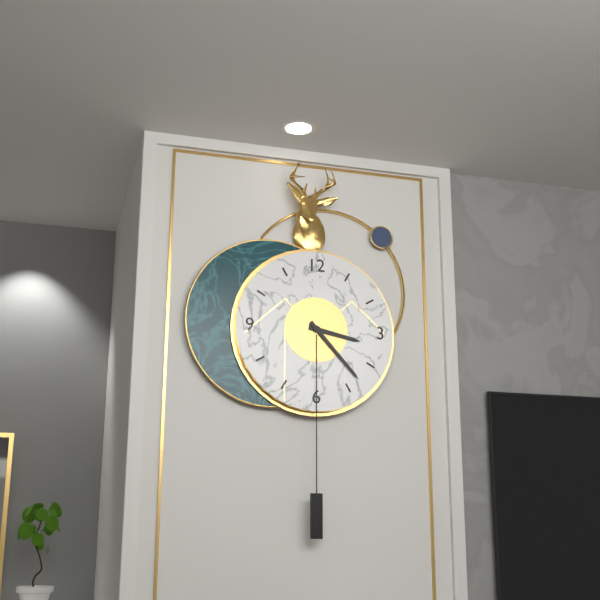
**3:23**
